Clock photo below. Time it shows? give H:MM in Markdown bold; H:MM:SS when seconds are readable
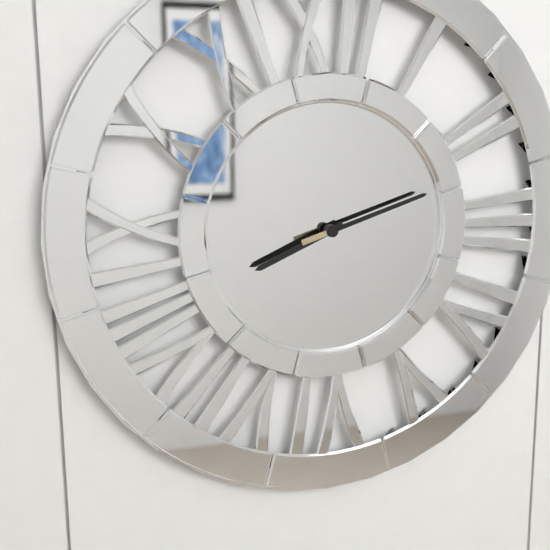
**8:12**
